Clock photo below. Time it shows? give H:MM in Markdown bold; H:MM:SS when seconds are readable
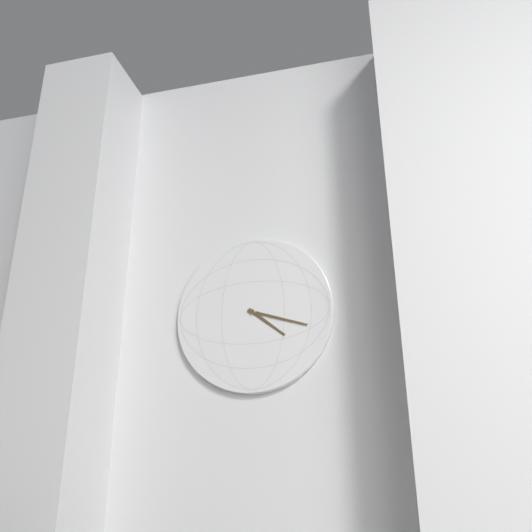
**4:18**
